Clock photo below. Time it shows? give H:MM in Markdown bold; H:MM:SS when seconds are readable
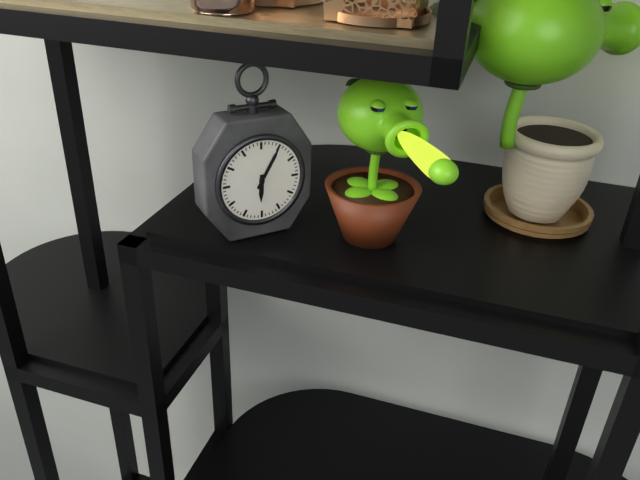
**6:05**
